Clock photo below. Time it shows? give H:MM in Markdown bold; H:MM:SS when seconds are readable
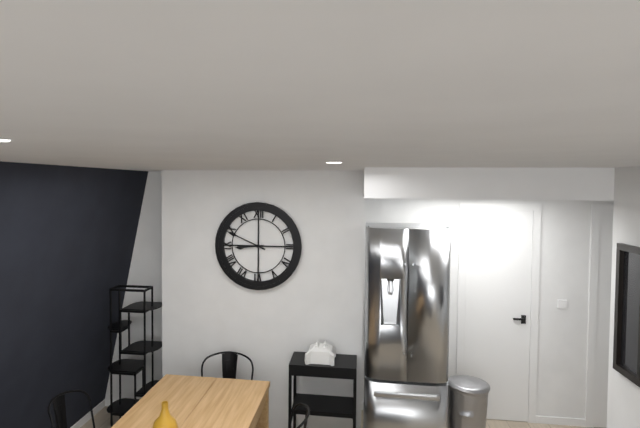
**8:49**
